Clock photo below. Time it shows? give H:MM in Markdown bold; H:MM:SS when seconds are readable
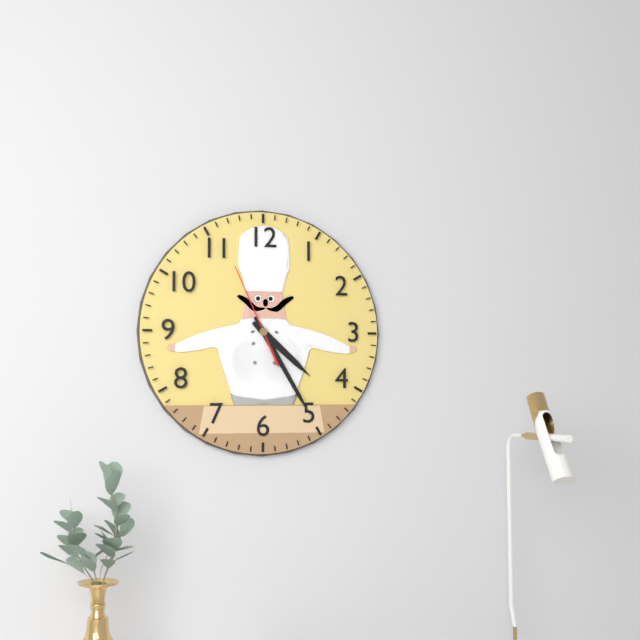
**4:25:56**
